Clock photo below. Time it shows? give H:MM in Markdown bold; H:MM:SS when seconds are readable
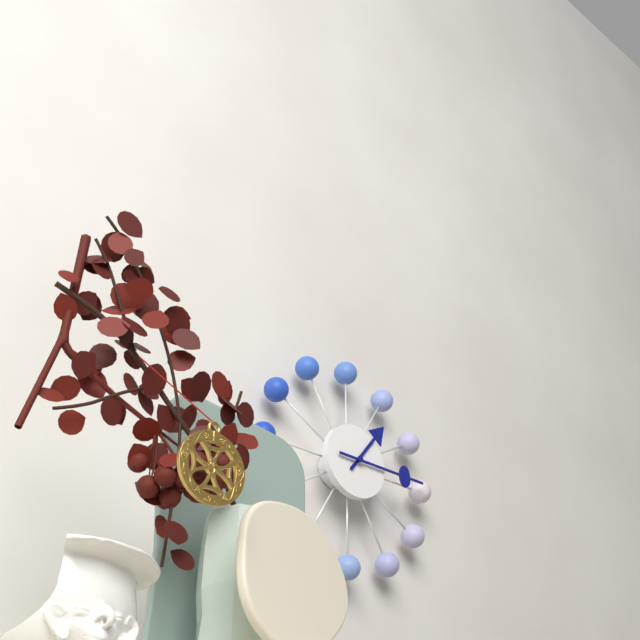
**1:15**
